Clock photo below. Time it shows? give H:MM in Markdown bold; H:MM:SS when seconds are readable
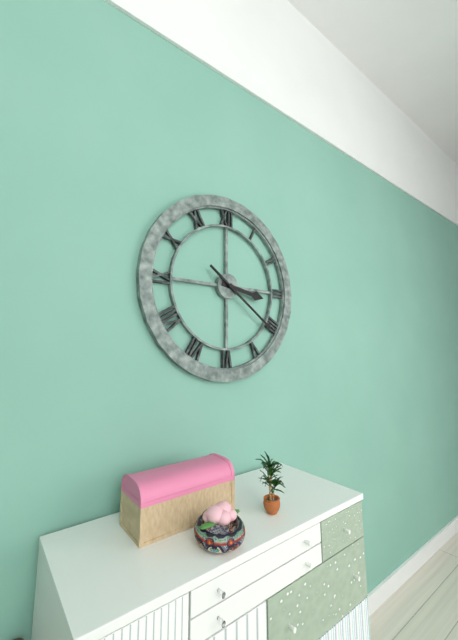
**3:21**
